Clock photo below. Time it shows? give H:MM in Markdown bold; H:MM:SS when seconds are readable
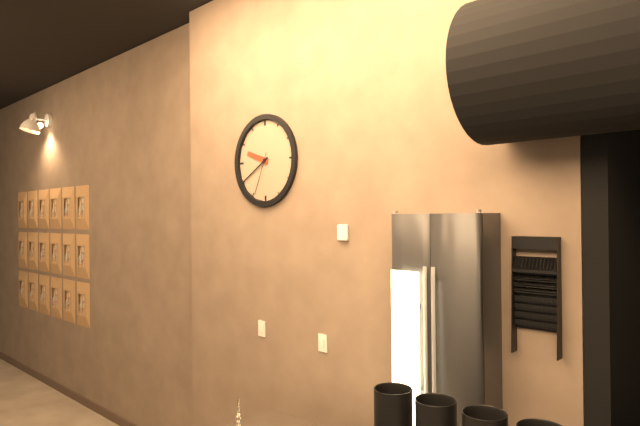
**9:40**
